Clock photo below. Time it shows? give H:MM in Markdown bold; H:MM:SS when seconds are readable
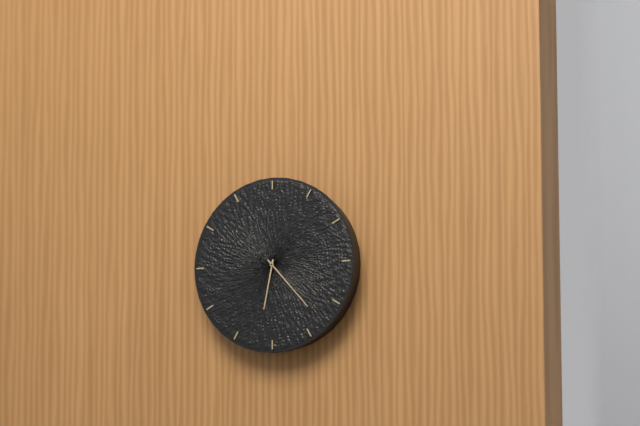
**6:23**
